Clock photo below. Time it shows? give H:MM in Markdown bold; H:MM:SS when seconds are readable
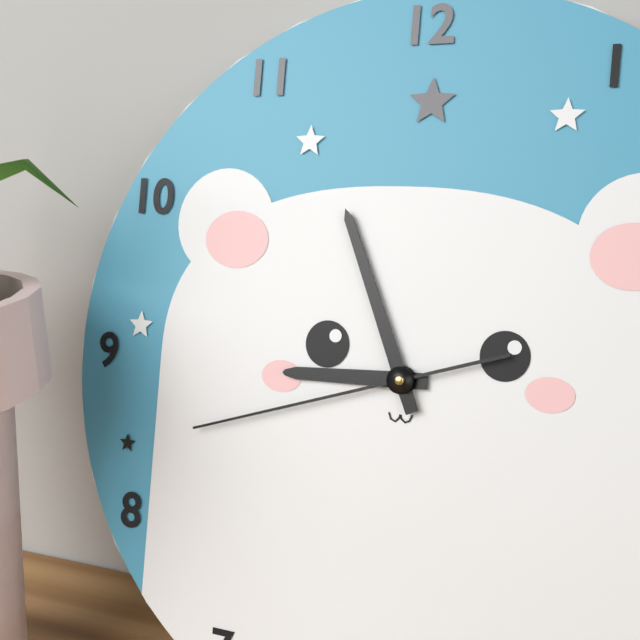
**8:56:42**
